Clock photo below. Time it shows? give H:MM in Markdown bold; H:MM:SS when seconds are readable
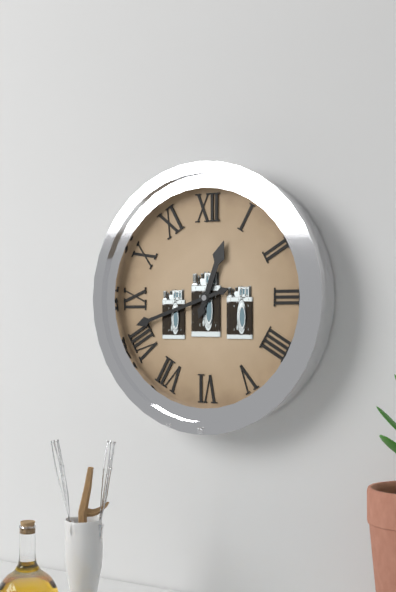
**12:42**
